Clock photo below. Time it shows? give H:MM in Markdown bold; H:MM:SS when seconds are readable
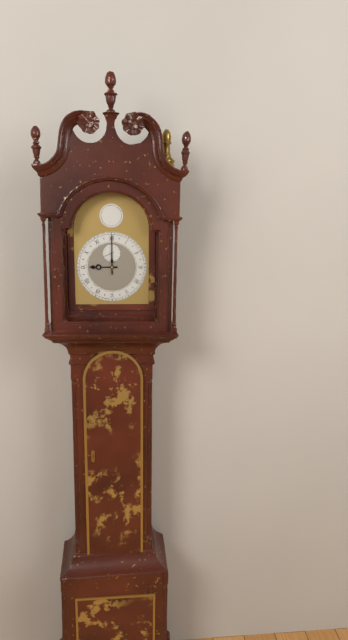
**9:00**
